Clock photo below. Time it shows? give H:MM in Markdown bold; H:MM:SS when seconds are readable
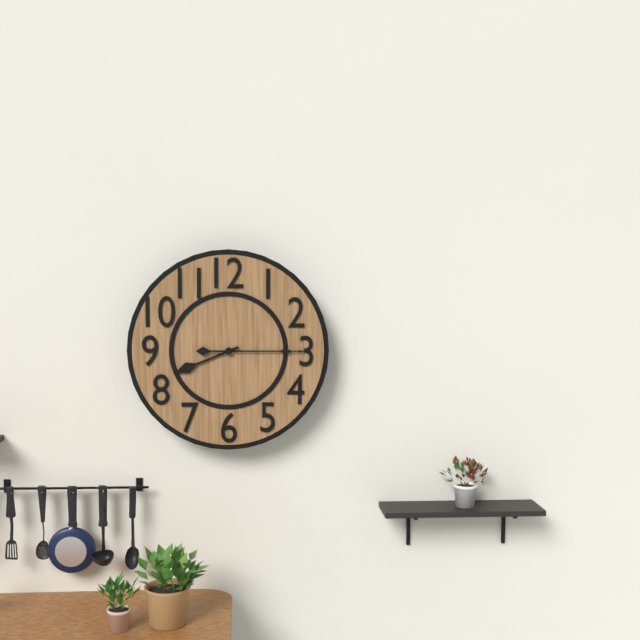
**8:15**
